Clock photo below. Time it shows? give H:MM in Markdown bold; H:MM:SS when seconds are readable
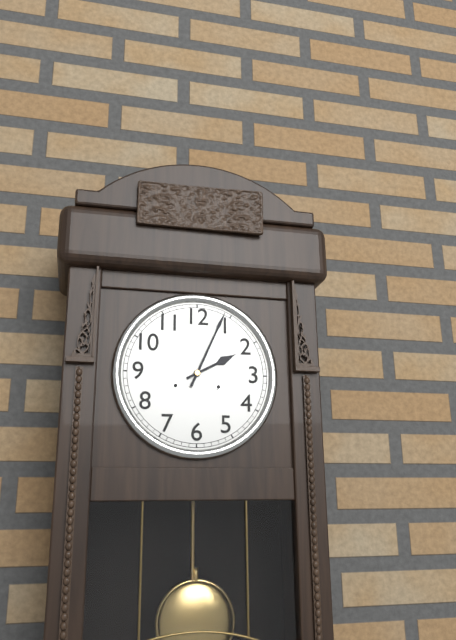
**2:04**
